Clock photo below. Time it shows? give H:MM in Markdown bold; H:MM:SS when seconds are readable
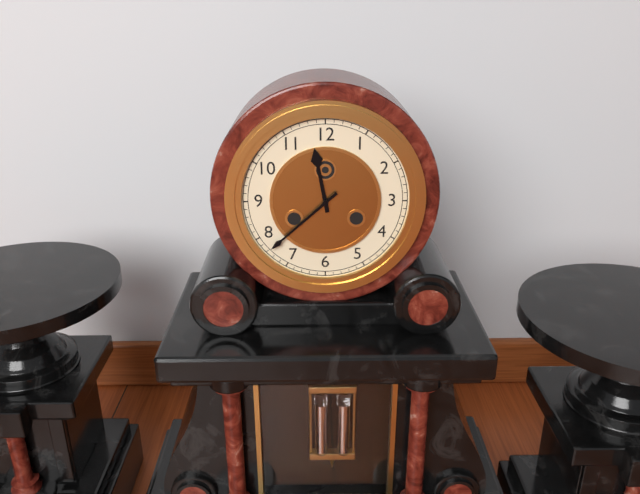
**11:38**
